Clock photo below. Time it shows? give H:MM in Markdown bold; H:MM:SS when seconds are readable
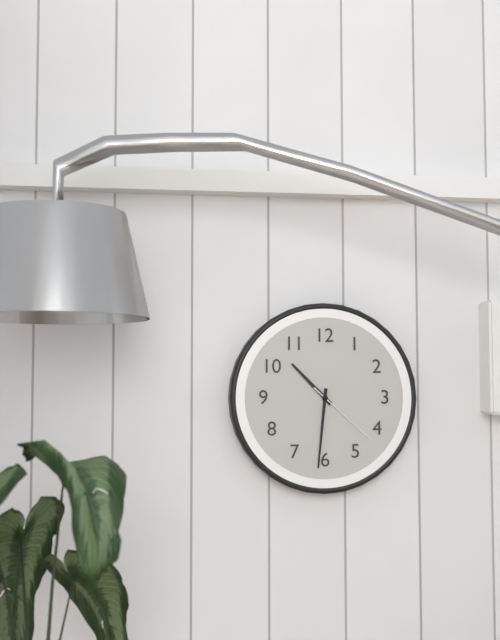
**10:31:22**
